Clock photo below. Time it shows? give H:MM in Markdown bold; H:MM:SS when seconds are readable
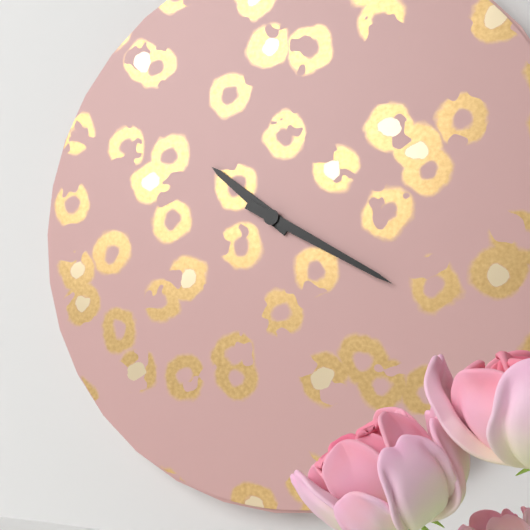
**10:20**
